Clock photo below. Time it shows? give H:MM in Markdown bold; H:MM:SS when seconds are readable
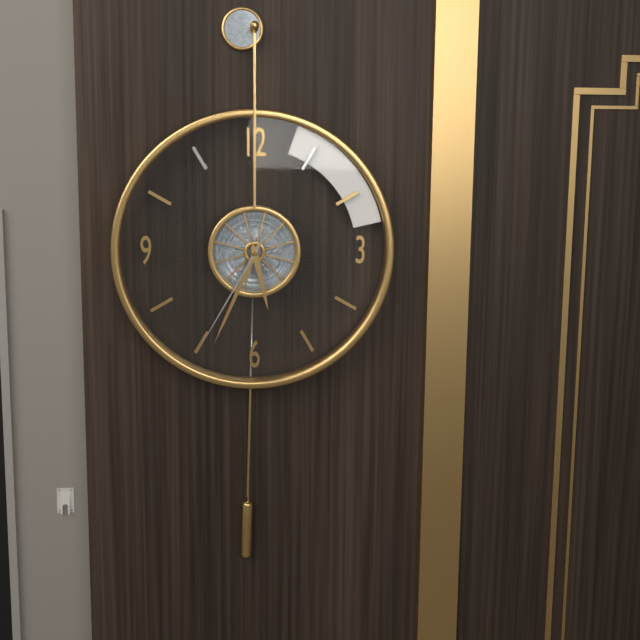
**5:34:35**
